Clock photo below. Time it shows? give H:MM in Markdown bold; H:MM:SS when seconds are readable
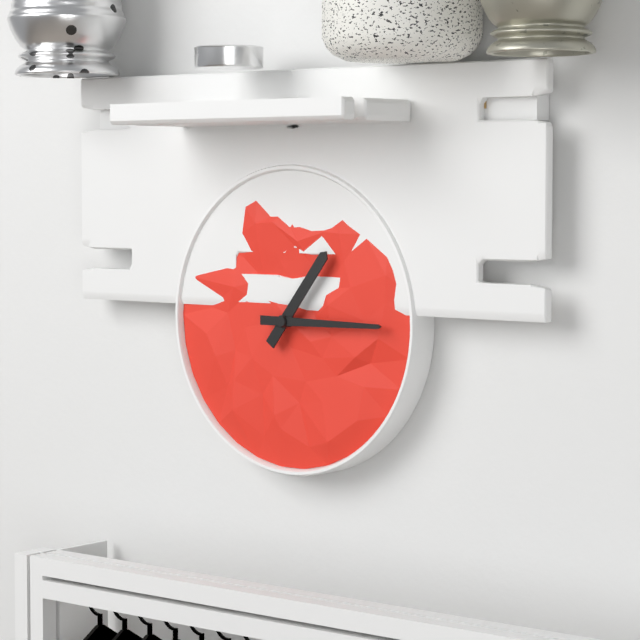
**1:15**
